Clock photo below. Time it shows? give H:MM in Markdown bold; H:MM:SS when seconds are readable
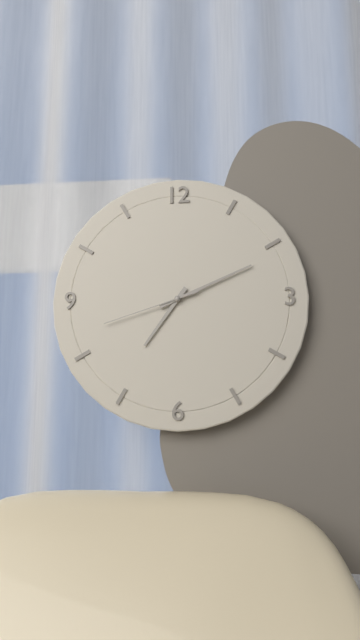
**7:11:42**
